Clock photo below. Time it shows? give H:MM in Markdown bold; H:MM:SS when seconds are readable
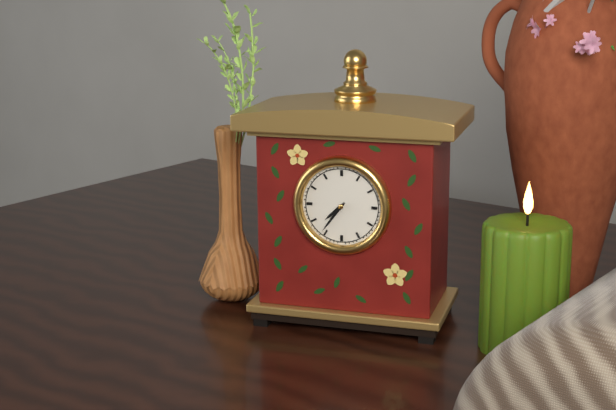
**7:36**
